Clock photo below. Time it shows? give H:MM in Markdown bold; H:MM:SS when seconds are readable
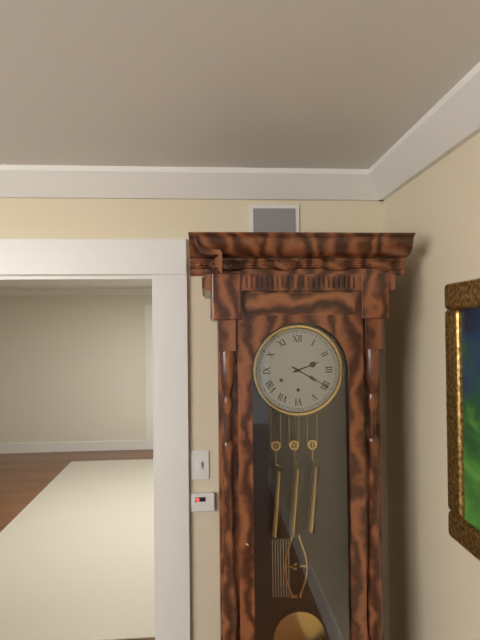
**2:20**
